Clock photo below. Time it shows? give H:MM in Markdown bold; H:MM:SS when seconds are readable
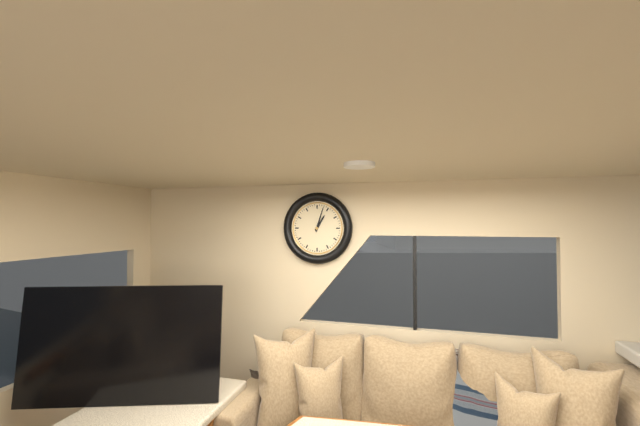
**1:03**
